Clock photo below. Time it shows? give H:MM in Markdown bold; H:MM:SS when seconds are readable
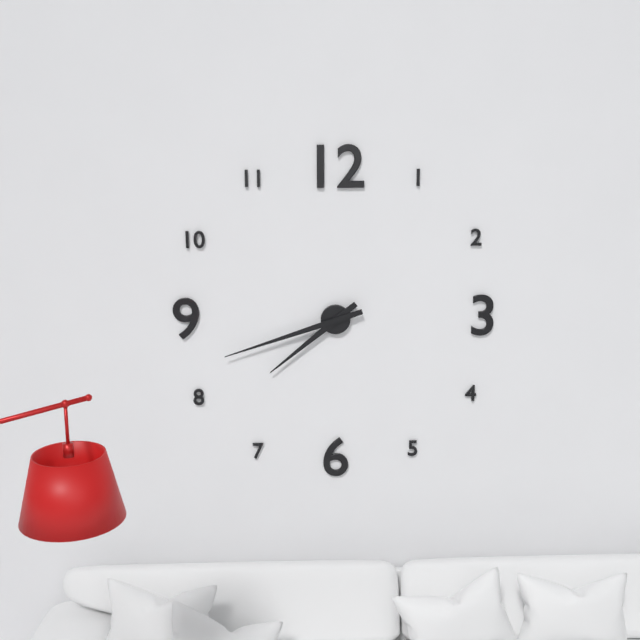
**7:42**
